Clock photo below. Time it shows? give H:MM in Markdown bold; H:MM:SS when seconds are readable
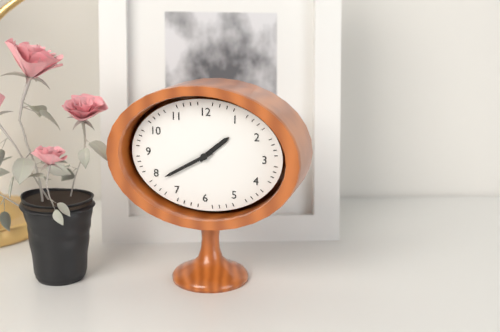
**1:40**
